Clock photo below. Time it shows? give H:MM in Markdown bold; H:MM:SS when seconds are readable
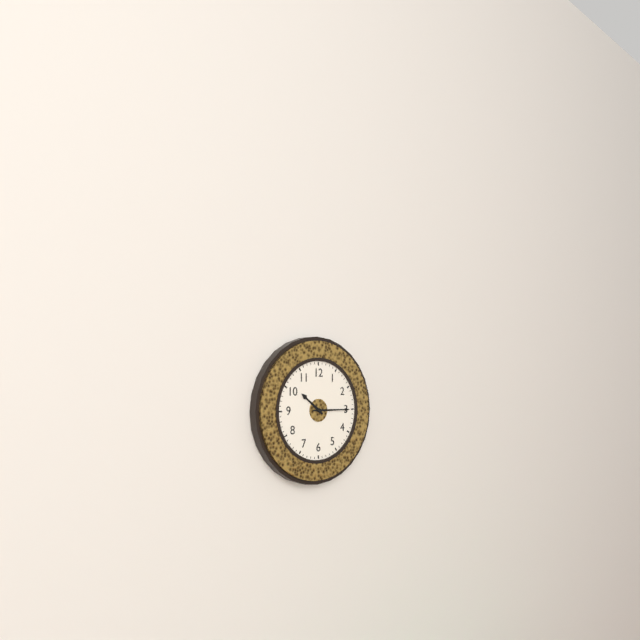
**10:15**
